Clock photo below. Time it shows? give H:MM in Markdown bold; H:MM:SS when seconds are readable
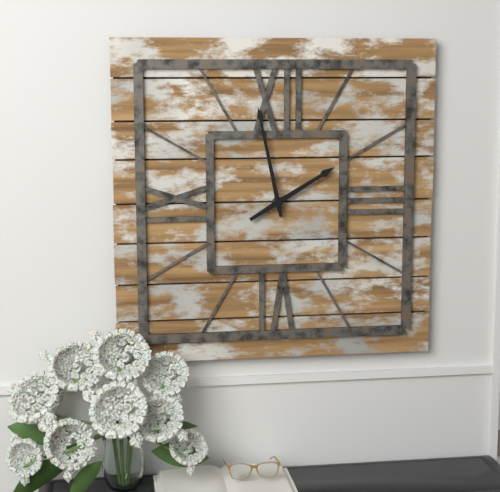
**1:58**
